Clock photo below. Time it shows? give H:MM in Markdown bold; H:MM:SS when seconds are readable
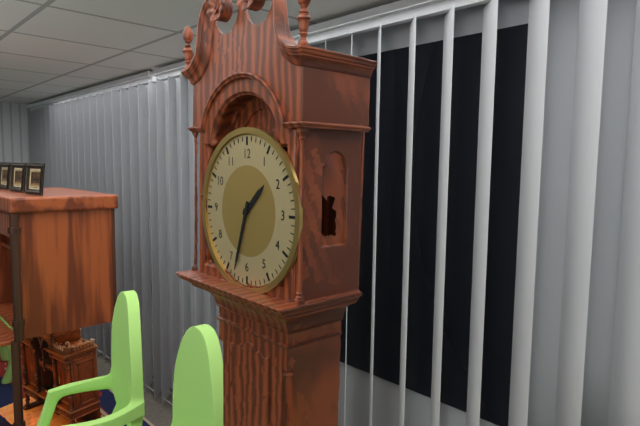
**1:33**
